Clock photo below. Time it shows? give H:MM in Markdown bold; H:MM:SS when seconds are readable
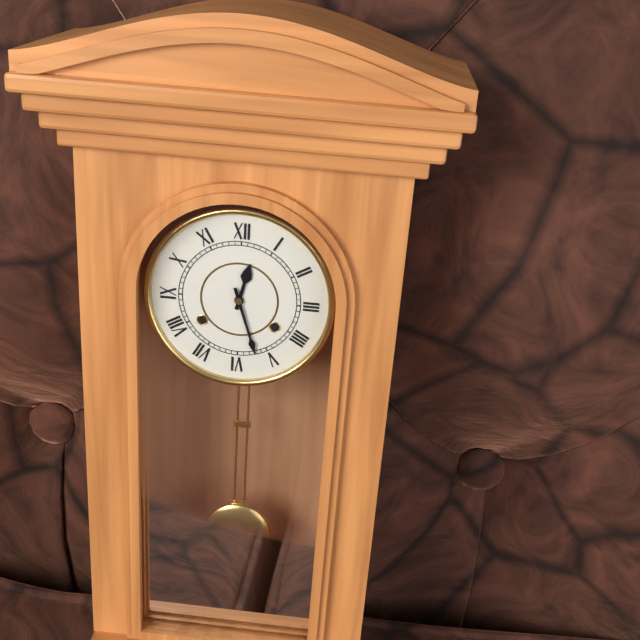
**12:27**
